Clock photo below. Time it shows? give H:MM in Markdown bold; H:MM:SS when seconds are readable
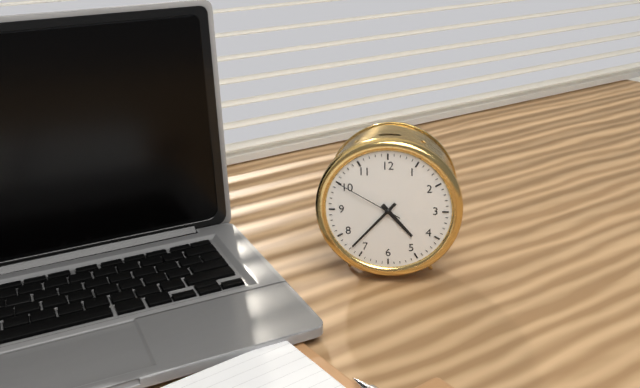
**4:37:50**
